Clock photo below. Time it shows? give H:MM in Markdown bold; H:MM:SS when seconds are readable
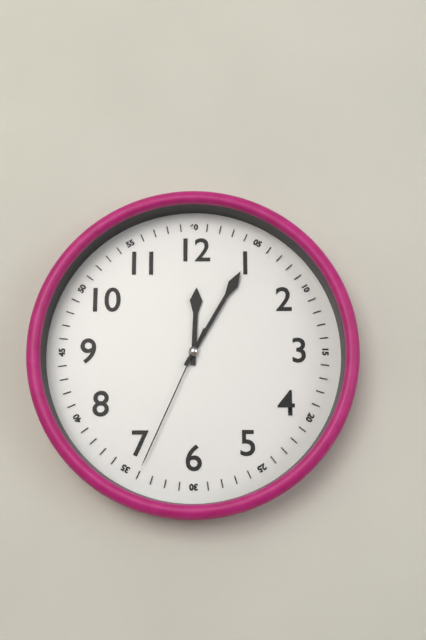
**12:05:34**
